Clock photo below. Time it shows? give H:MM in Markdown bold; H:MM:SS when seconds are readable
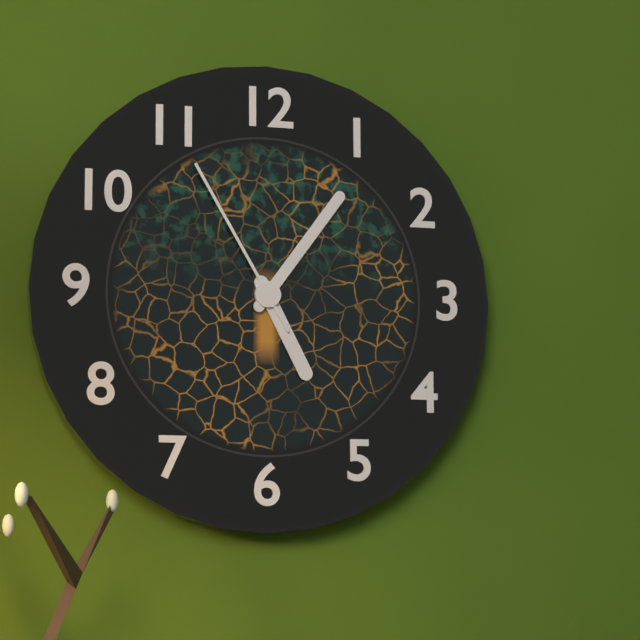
**5:06:55**
